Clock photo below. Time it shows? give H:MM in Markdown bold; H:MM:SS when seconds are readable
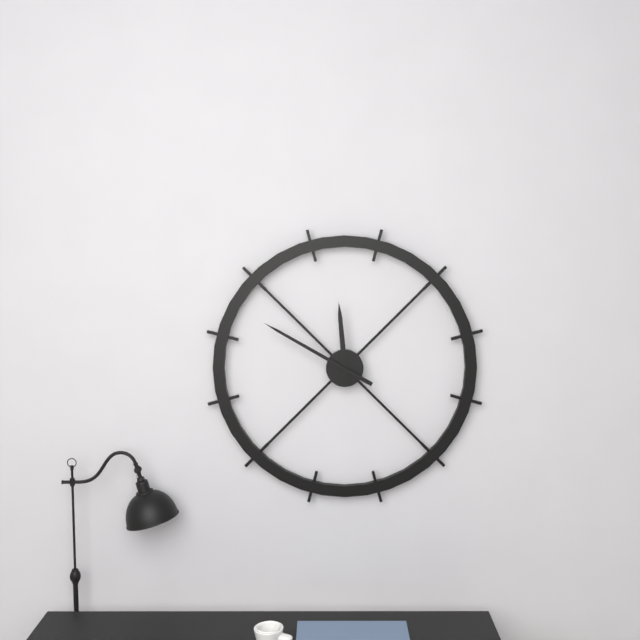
**11:50**
